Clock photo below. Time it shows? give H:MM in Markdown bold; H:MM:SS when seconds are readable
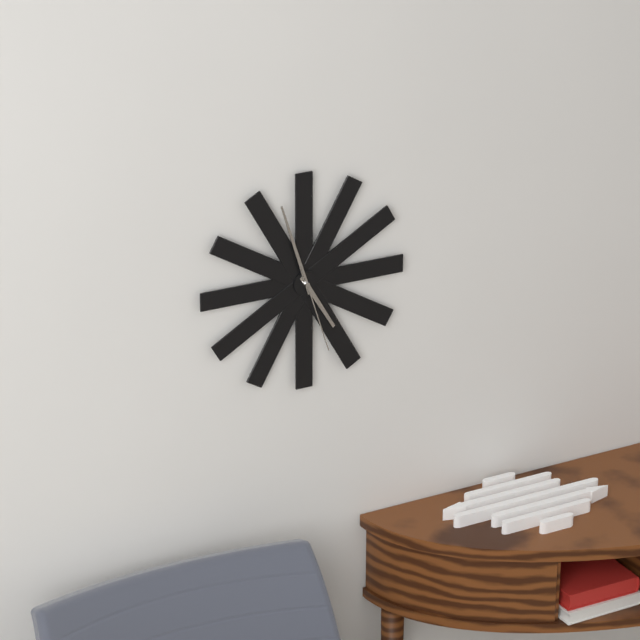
**4:57:27**
